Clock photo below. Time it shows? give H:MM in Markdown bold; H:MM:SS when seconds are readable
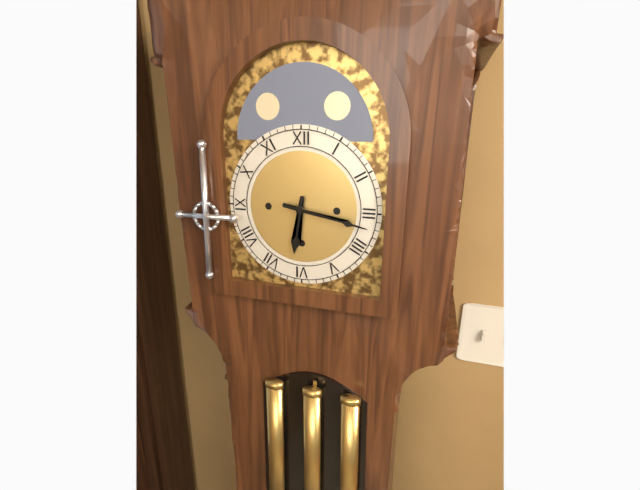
**6:17**
